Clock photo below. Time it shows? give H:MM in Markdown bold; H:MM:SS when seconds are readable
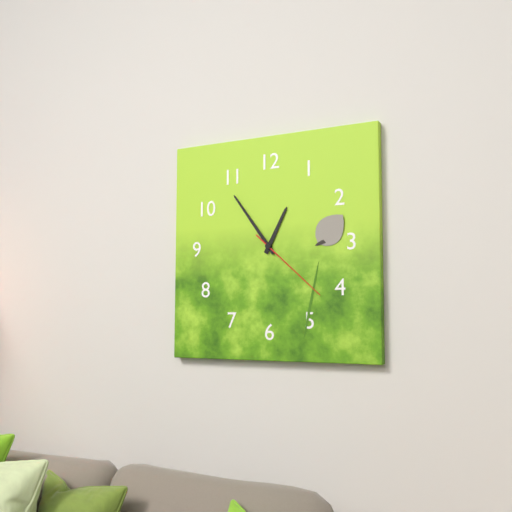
**12:54:22**
